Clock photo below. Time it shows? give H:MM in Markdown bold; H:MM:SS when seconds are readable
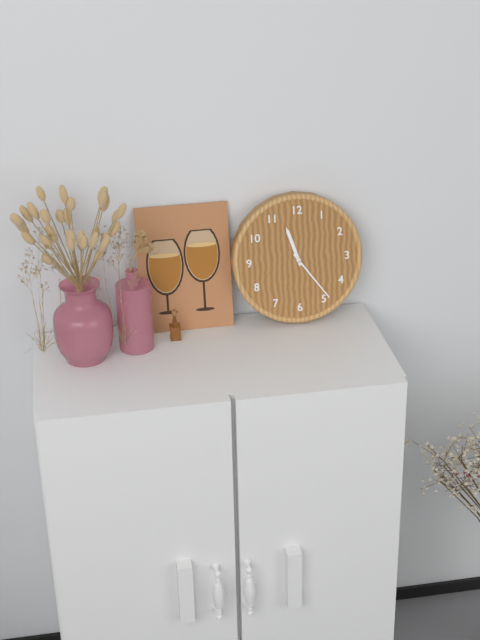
**11:24**
